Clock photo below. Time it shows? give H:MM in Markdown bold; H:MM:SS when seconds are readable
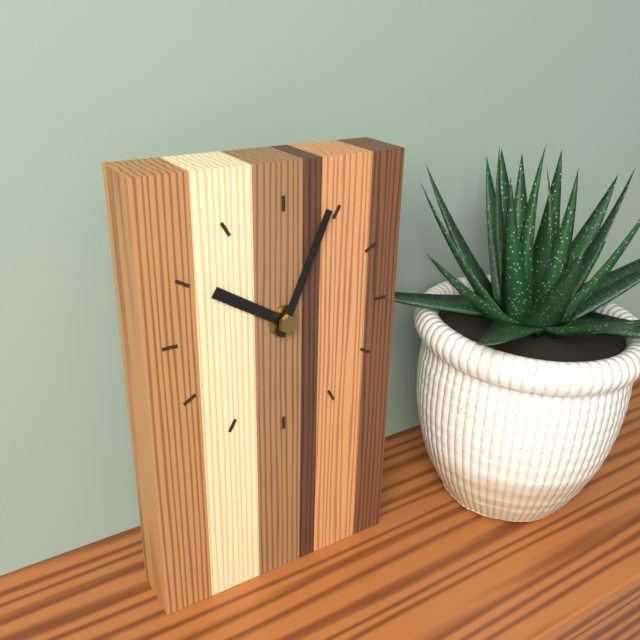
**10:04**
